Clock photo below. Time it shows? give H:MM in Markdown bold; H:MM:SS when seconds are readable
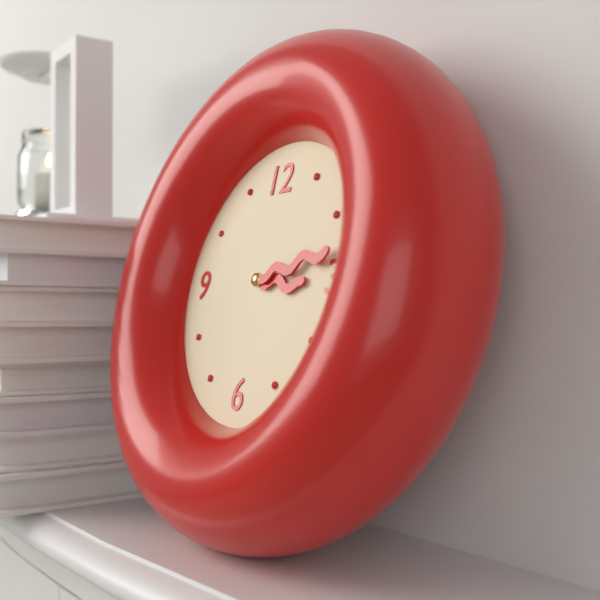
**3:13**
